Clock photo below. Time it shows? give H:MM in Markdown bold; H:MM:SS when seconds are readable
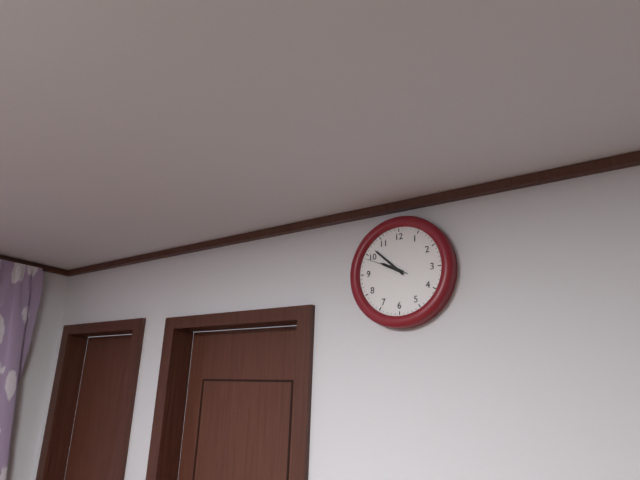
**9:52**
